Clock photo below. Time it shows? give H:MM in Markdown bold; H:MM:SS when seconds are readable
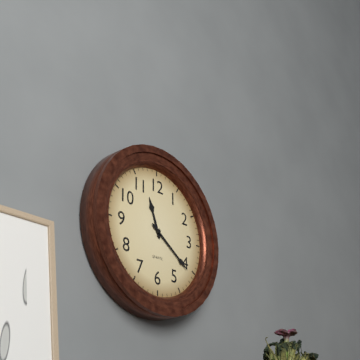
**11:21**
